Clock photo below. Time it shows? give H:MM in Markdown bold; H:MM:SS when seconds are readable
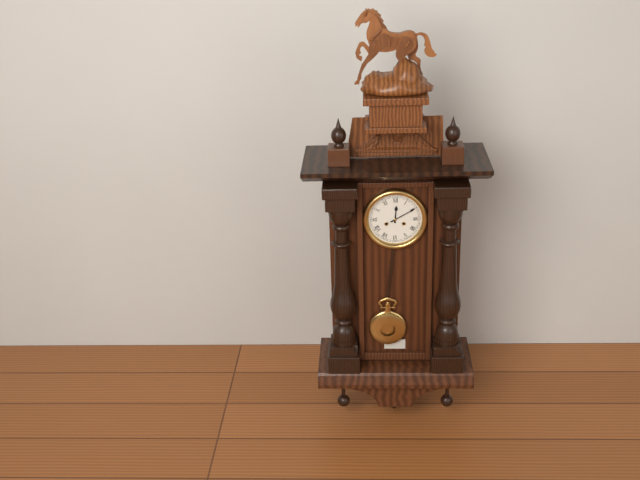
**12:10**
